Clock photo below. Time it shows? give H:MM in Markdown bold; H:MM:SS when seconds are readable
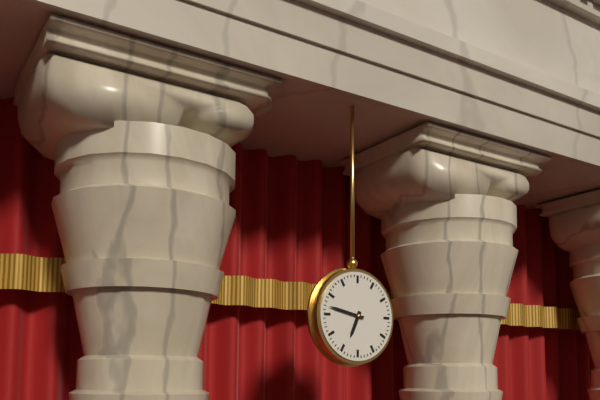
**6:47**
